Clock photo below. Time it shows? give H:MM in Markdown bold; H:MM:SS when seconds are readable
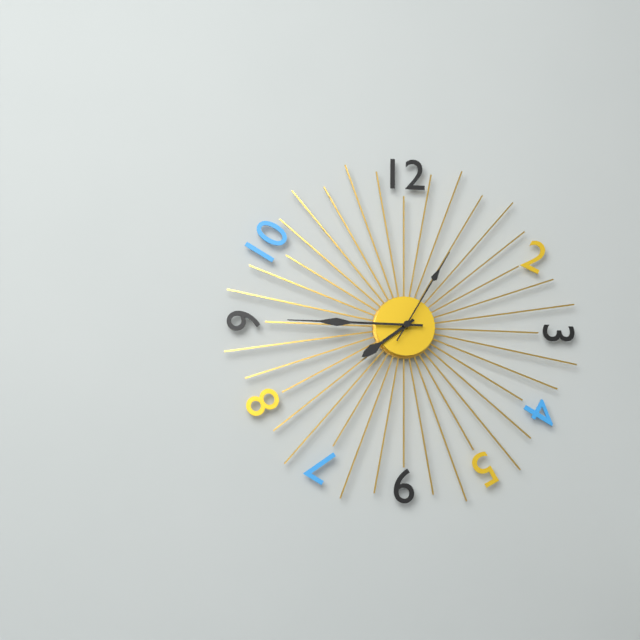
**7:45:05**
